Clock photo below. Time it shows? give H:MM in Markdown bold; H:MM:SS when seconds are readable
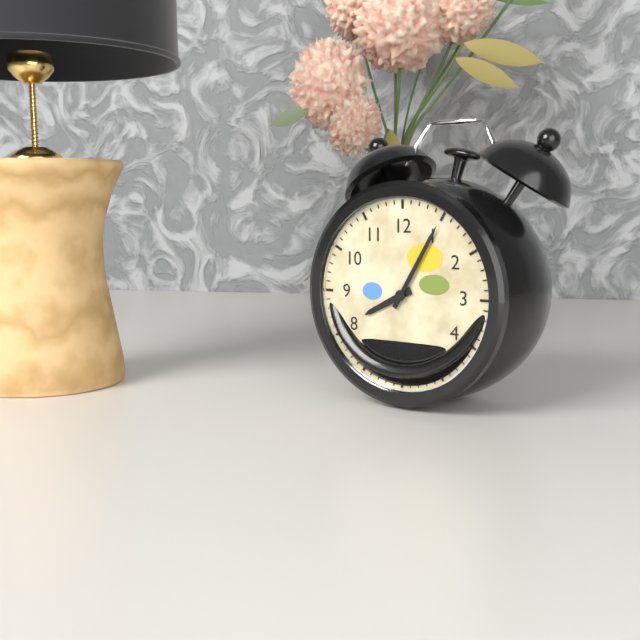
**8:05**
